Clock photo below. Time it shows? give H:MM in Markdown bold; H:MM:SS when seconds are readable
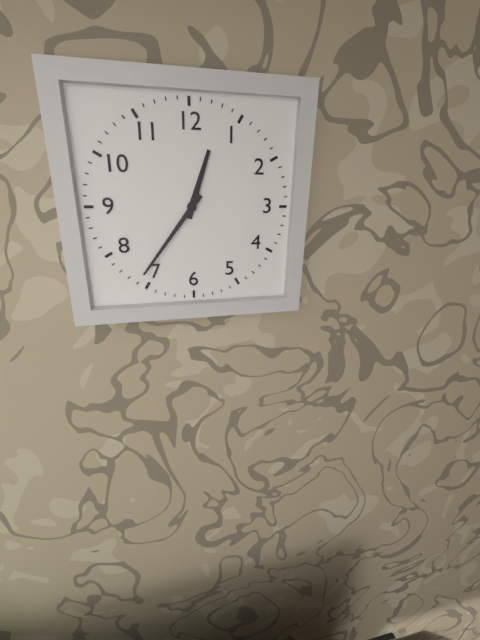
**12:36**
